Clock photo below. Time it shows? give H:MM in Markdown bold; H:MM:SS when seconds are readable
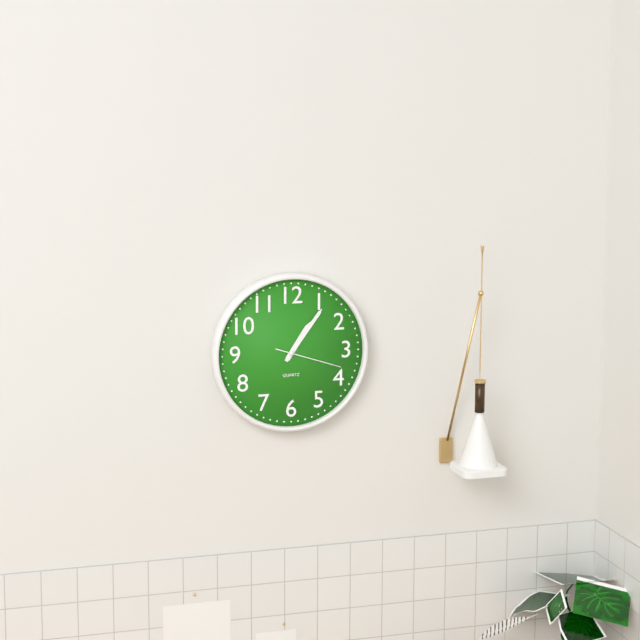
**1:06:18**
